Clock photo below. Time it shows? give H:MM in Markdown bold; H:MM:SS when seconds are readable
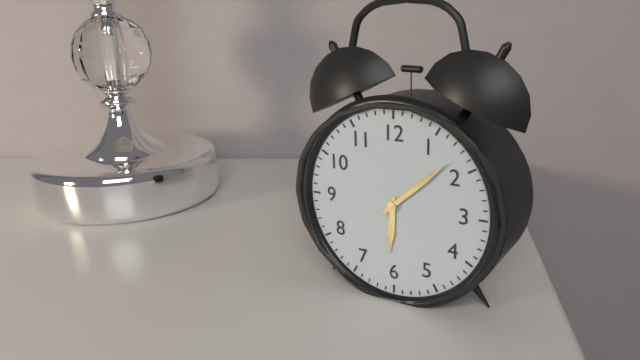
**6:08**
